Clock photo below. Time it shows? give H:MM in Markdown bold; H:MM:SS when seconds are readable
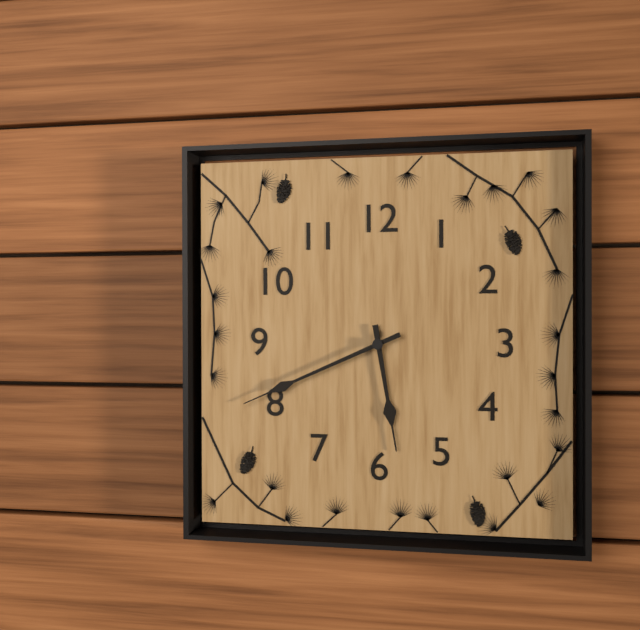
**5:41**
